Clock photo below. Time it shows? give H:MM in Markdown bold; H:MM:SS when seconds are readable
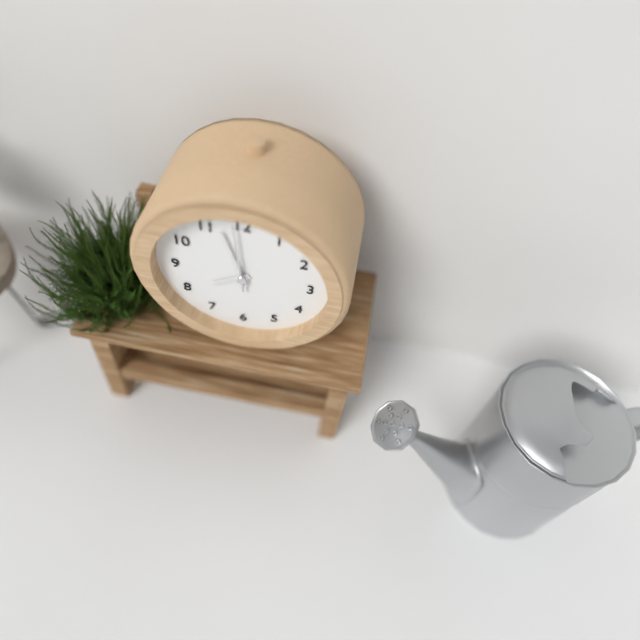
**7:57:59**
